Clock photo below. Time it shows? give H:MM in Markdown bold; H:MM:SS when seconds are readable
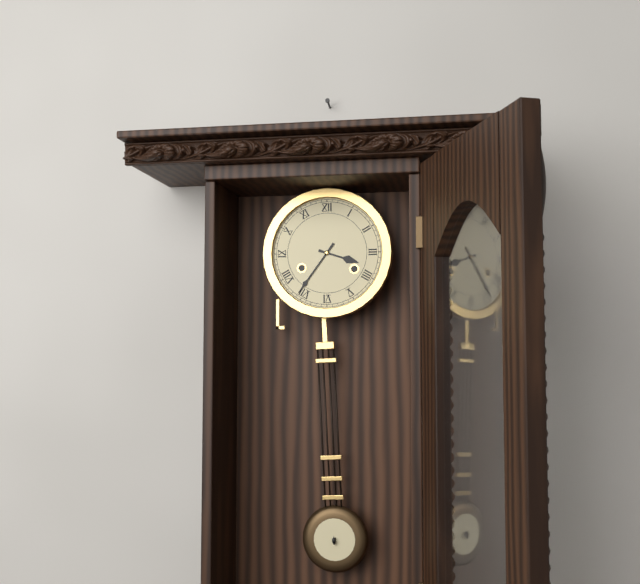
**3:36**
